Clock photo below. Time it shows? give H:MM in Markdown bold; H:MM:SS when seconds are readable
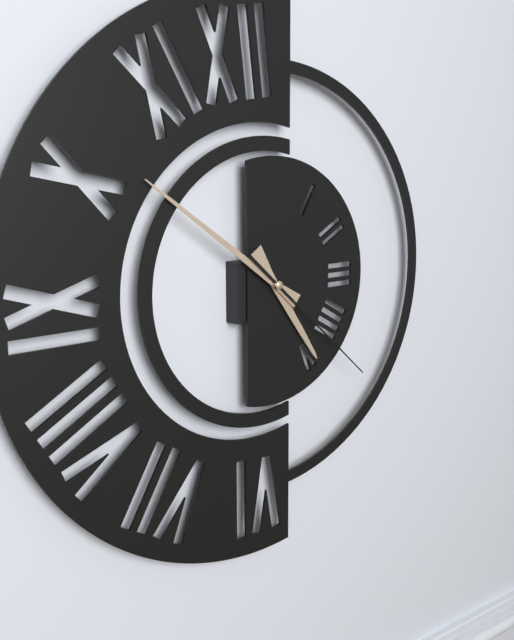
**4:51:22**
